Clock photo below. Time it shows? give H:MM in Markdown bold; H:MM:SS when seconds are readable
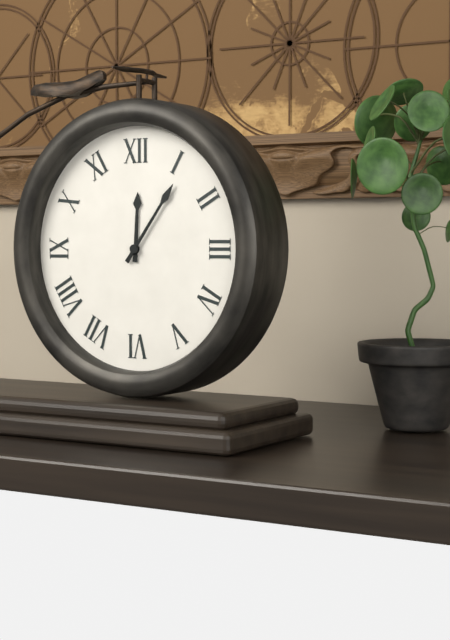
**12:06**
